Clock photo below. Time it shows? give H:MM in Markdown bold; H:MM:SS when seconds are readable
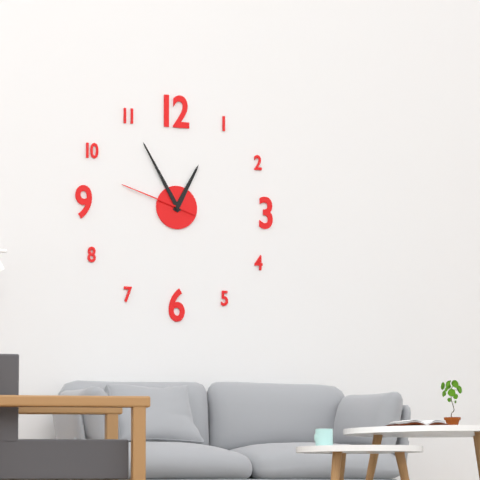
**12:55:48**
